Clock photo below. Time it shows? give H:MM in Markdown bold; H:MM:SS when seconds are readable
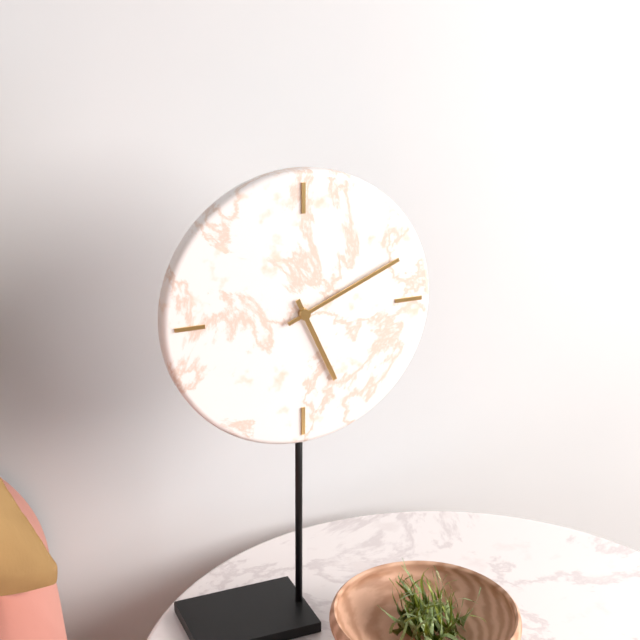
**5:11**
